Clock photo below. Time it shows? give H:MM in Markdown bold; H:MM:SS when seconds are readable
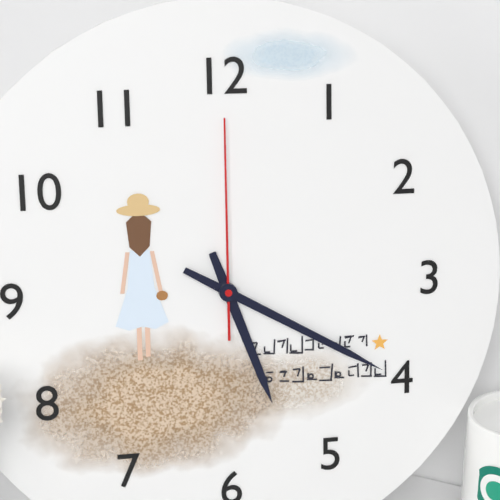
**5:20:00**
